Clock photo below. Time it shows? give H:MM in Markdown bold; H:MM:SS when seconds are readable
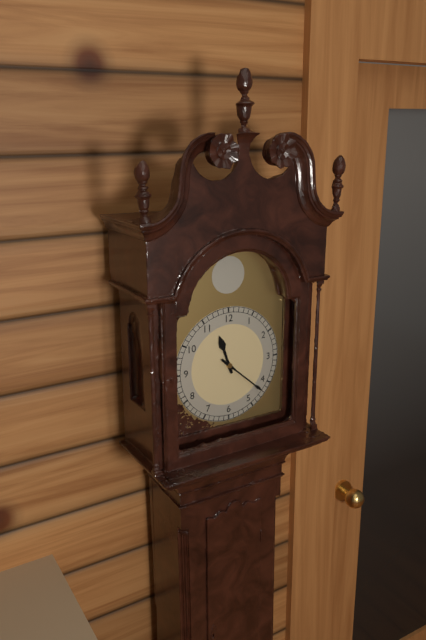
**11:22**
